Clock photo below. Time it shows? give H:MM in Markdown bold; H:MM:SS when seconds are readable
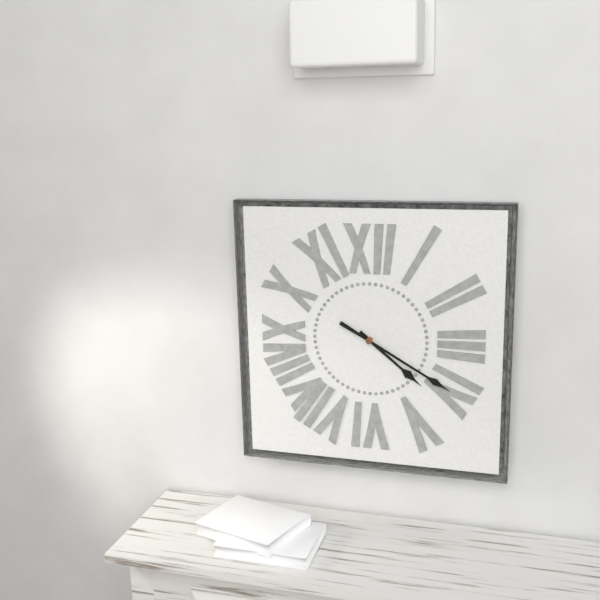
**4:20**
